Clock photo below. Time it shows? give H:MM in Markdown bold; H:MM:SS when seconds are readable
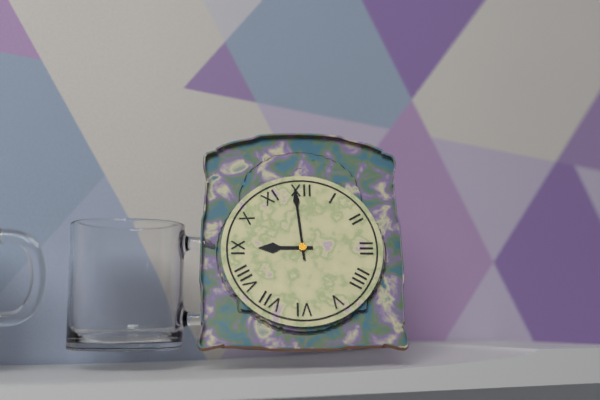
**8:59**
